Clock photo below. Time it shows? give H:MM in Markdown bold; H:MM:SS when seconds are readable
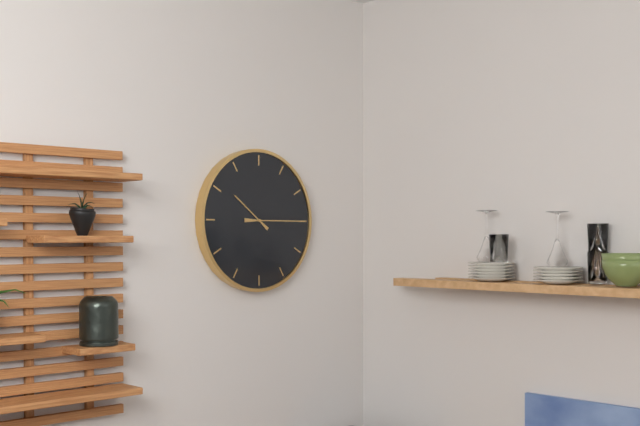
**10:15**
